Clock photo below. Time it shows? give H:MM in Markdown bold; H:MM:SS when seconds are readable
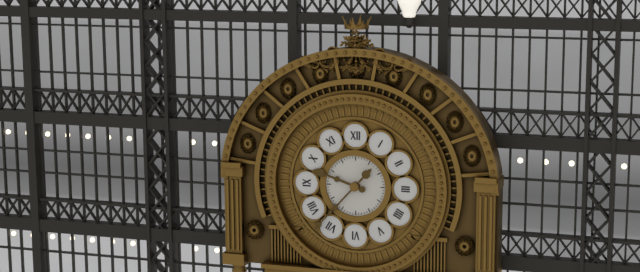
**9:37**
